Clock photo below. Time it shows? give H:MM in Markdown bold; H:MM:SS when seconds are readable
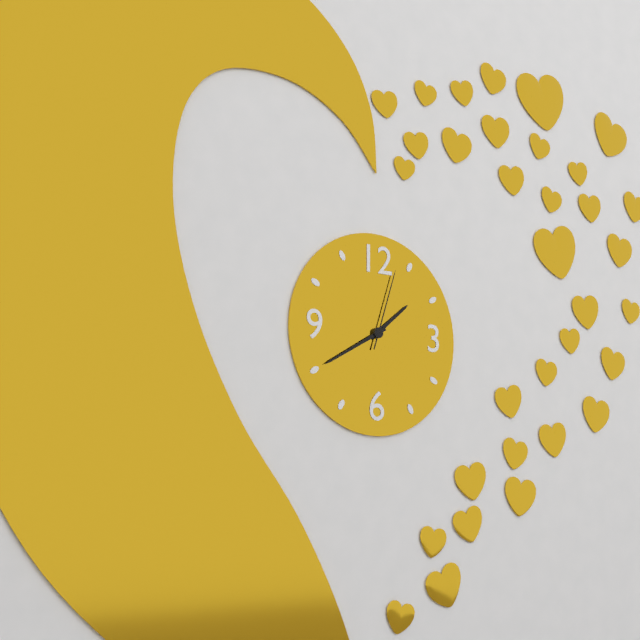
**1:40:03**
